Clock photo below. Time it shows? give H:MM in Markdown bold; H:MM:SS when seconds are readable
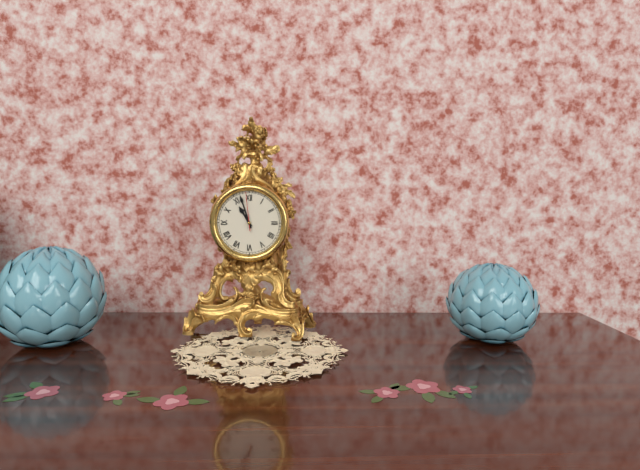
**10:57**
